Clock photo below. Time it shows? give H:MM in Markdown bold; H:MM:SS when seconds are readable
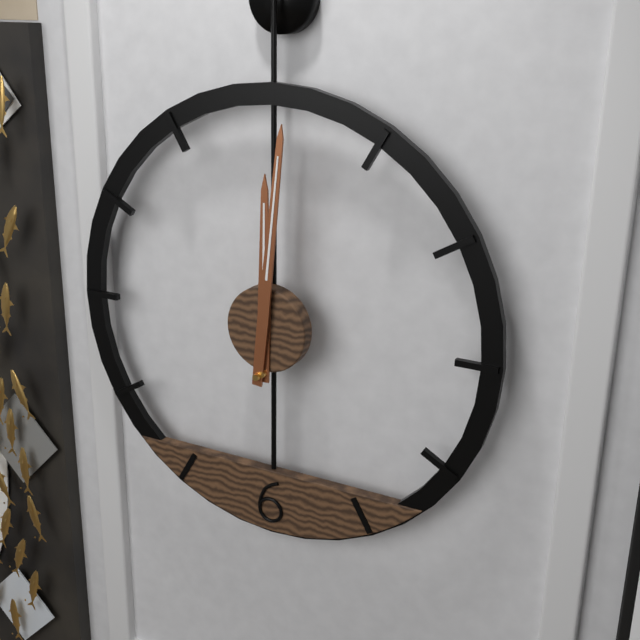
**12:01**
